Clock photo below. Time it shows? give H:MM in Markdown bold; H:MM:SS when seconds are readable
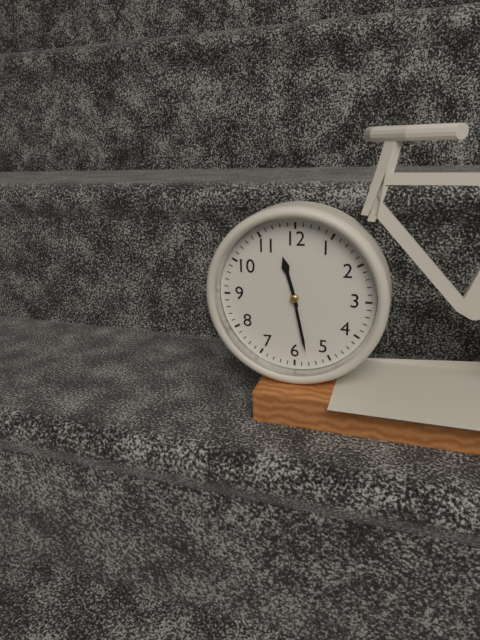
**11:28**
